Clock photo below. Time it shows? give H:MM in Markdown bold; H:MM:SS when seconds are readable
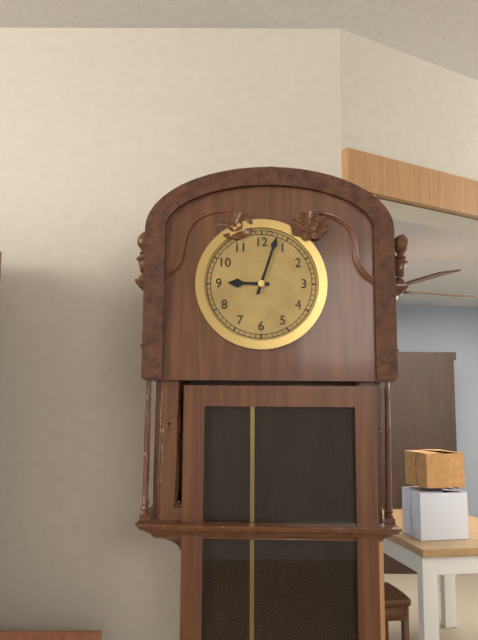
**9:03**
